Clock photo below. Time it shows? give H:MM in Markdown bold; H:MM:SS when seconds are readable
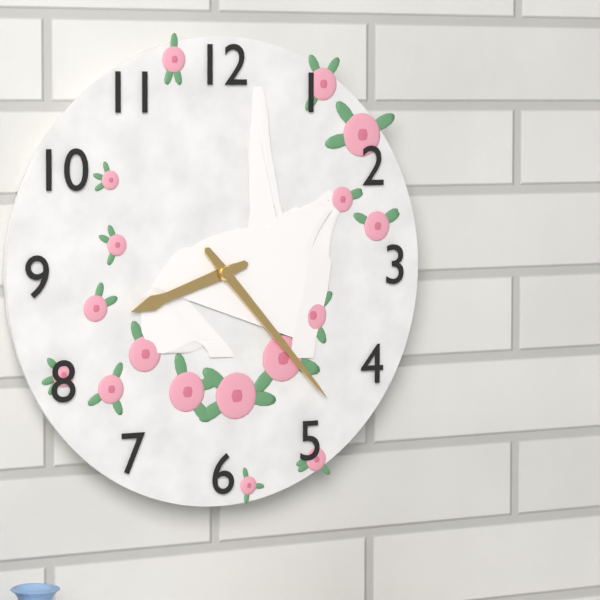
**8:23**
